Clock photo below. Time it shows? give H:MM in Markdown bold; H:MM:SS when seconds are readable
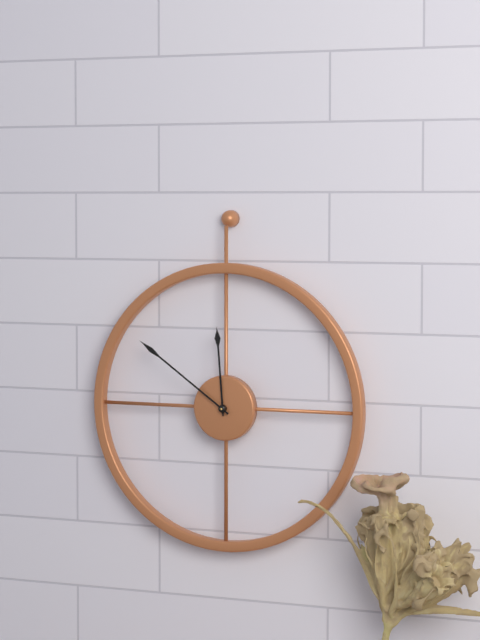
**11:51**
